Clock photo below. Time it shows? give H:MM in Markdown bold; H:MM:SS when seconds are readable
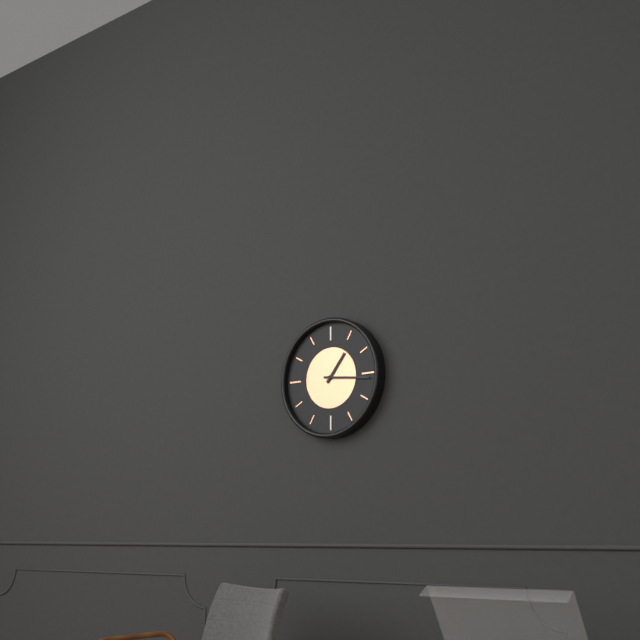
**1:16**
